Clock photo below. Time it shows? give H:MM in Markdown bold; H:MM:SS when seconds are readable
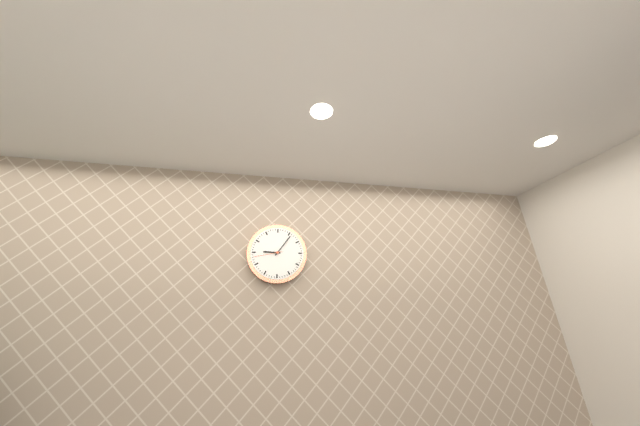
**9:06**
